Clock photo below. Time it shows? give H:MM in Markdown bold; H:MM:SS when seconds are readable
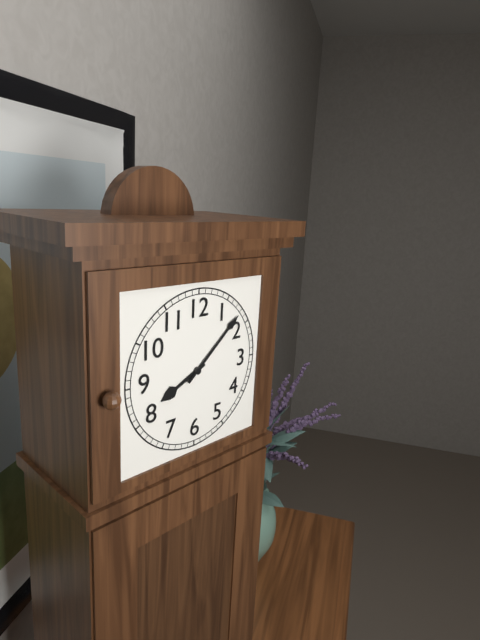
**8:08**
